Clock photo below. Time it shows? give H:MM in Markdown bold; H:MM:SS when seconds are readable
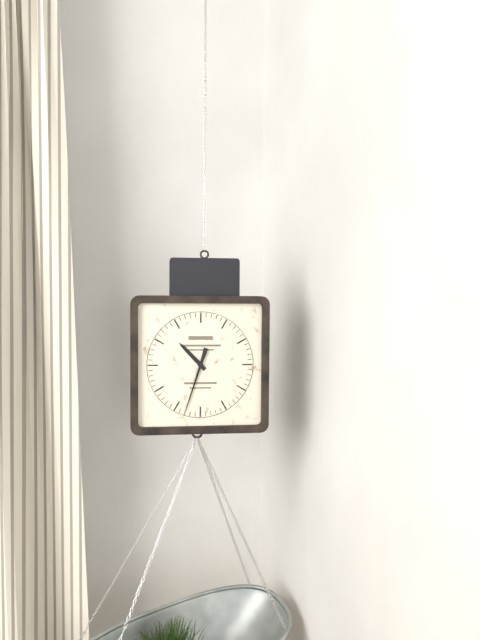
**10:33**
